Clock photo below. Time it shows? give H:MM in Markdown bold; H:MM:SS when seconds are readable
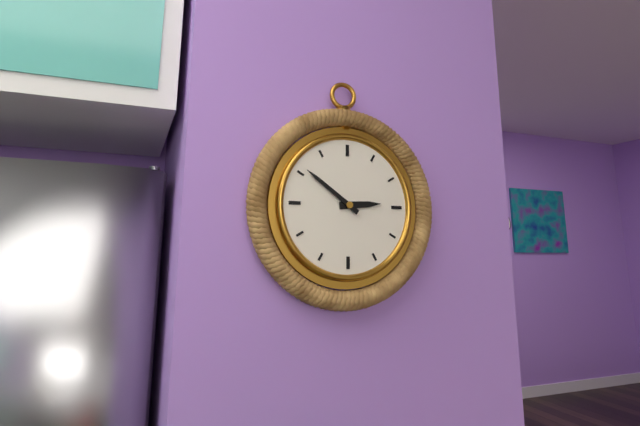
**2:51**
